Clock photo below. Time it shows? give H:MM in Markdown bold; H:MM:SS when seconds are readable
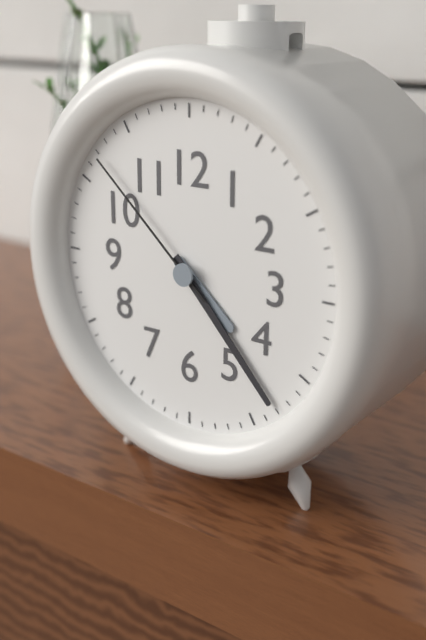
**4:23:52**
